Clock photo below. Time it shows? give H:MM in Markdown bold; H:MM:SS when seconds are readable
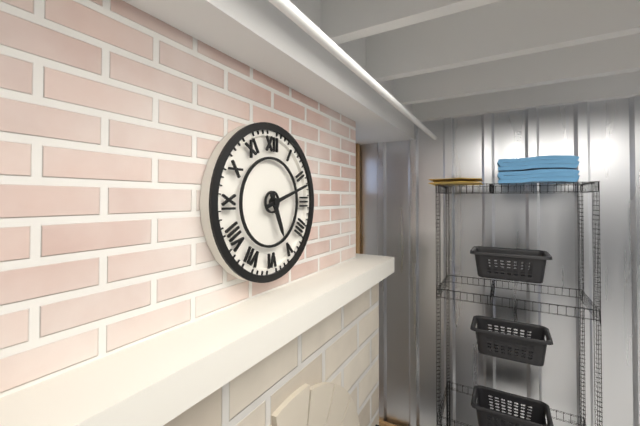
**5:12**
